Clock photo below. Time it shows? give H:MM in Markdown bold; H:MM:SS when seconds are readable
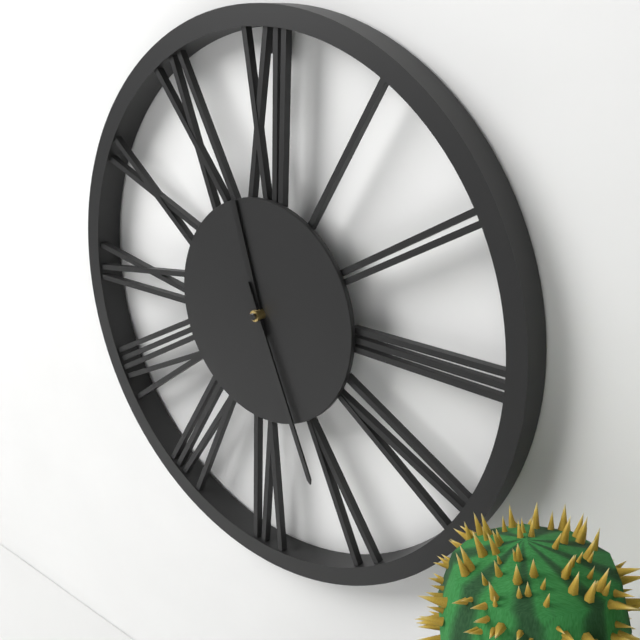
**11:26**
